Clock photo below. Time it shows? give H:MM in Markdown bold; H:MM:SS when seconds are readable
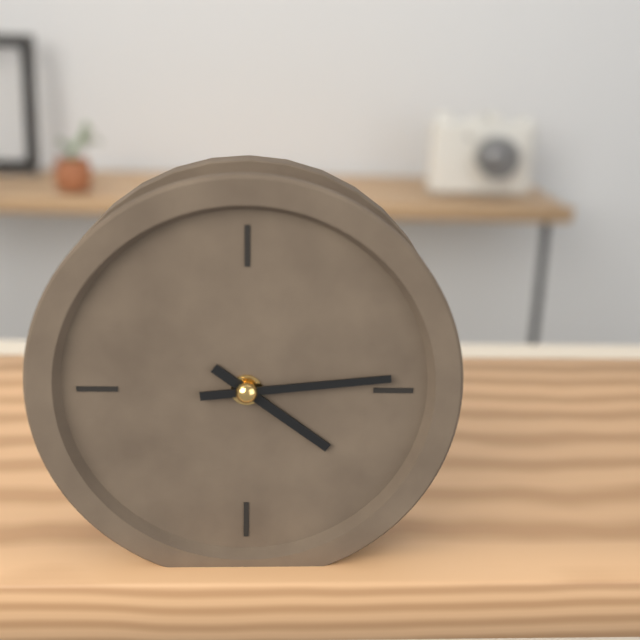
**4:14**
